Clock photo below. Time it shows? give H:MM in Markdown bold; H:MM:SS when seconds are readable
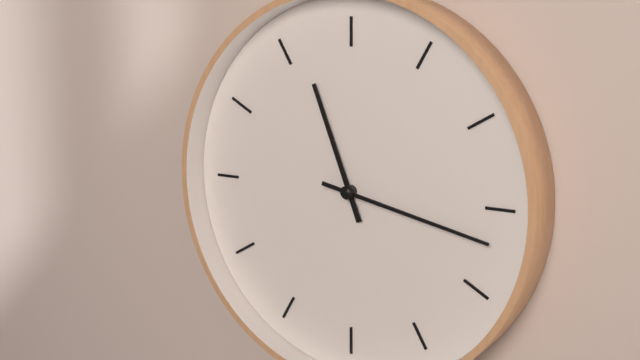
**11:17**
